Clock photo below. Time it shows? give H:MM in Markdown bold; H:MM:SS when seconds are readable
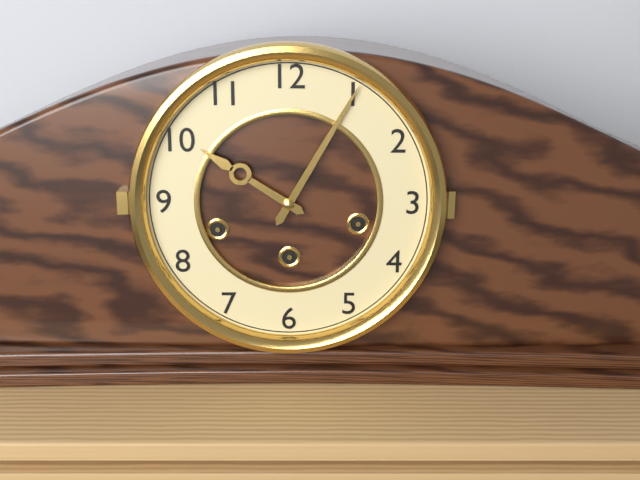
**10:05**
